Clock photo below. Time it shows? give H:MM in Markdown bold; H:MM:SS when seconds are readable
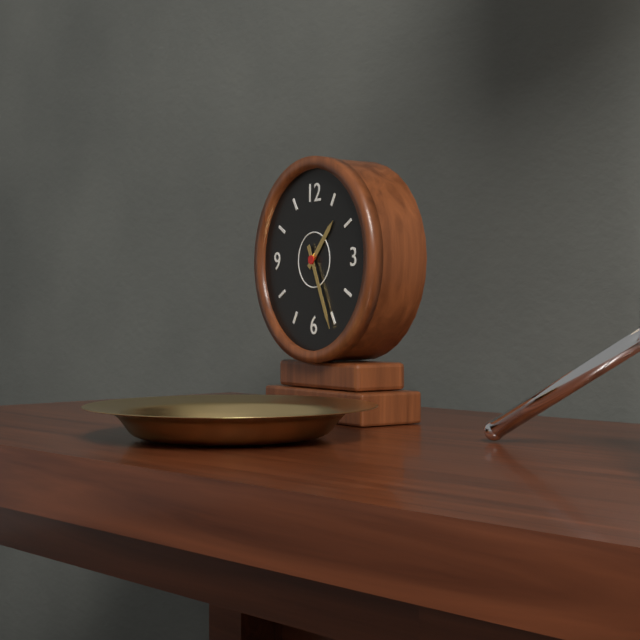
**1:26**
